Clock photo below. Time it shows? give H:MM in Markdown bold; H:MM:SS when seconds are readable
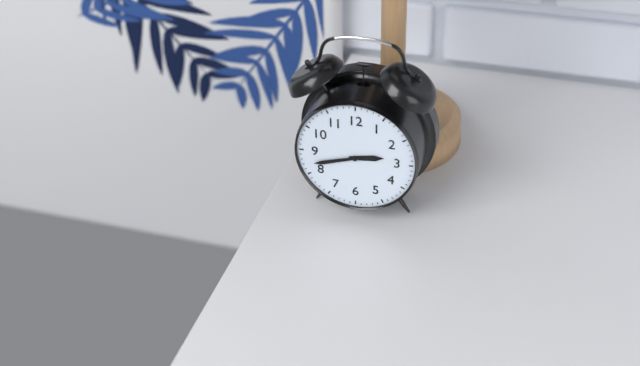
**2:42**
